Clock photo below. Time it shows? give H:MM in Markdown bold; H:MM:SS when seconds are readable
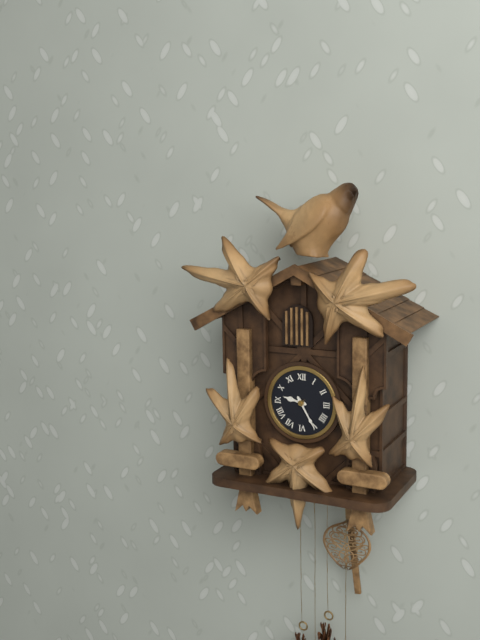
**9:25**
